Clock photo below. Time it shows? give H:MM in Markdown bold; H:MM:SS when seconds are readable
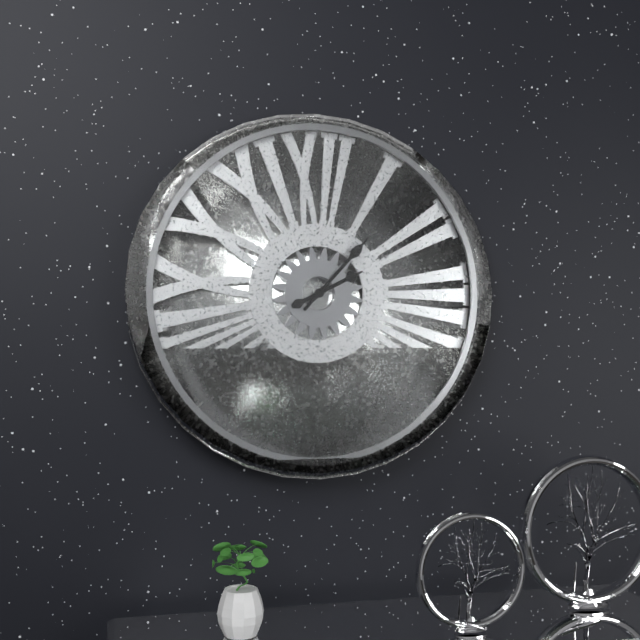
**2:07**
